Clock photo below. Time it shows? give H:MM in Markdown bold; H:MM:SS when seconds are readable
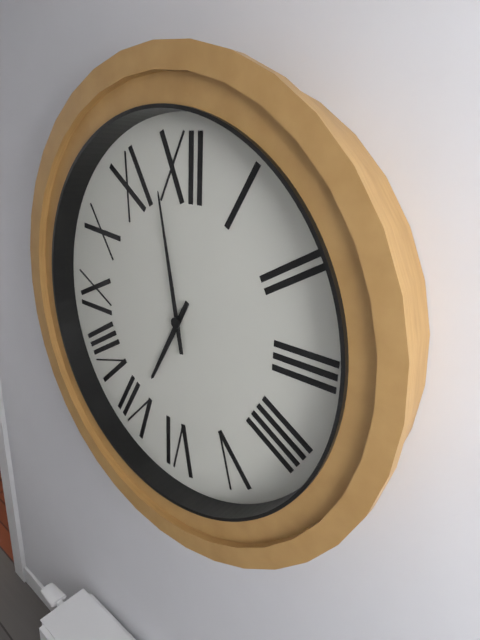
**6:58**
